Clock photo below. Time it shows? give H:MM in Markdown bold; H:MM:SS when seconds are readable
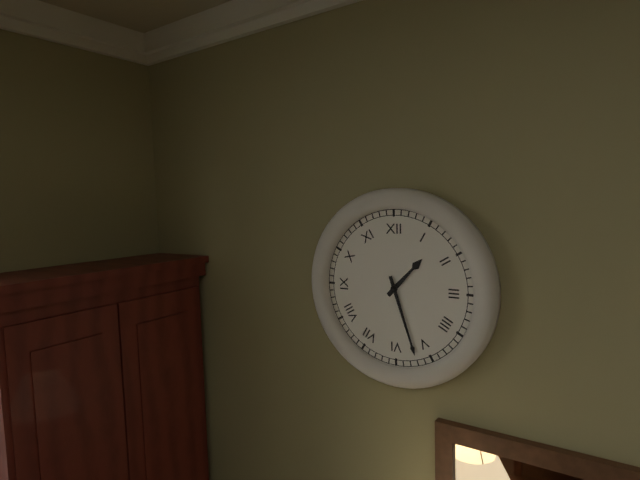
**1:27**
